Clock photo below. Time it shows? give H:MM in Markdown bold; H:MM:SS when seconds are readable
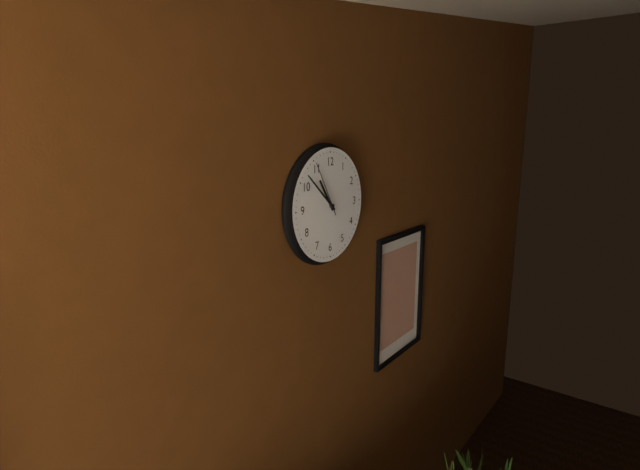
**10:52:55**
